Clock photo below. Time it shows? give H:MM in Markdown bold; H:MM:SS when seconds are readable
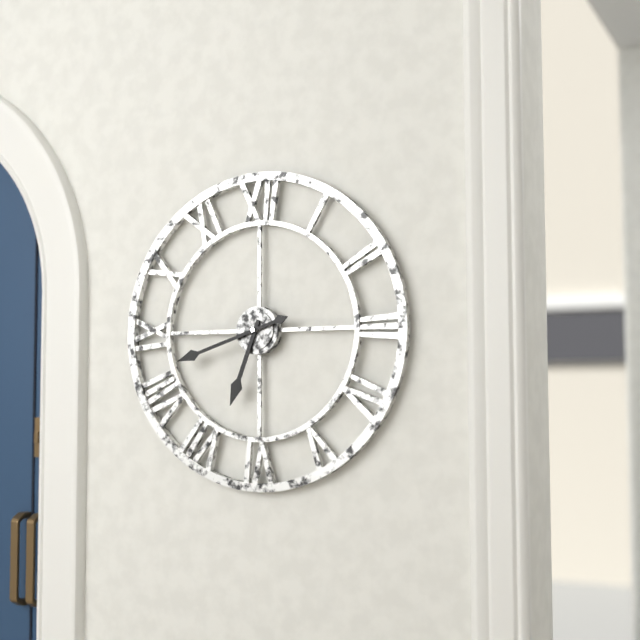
**6:42**
